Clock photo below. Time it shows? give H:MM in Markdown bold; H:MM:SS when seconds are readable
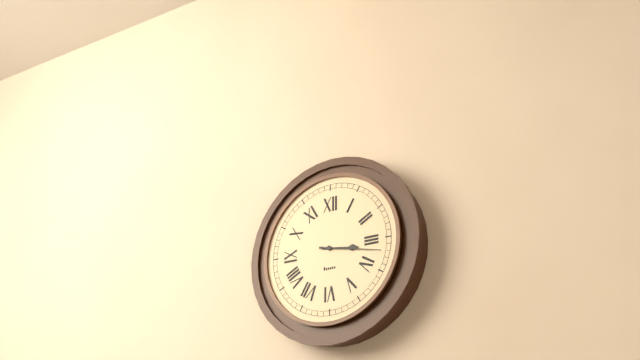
**3:17**
